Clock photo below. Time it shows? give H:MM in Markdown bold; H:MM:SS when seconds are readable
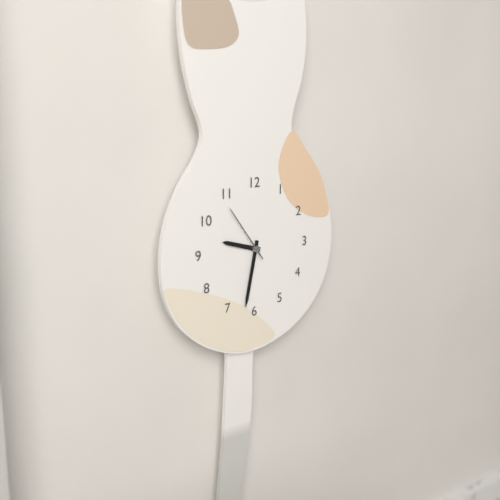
**9:32:54**
